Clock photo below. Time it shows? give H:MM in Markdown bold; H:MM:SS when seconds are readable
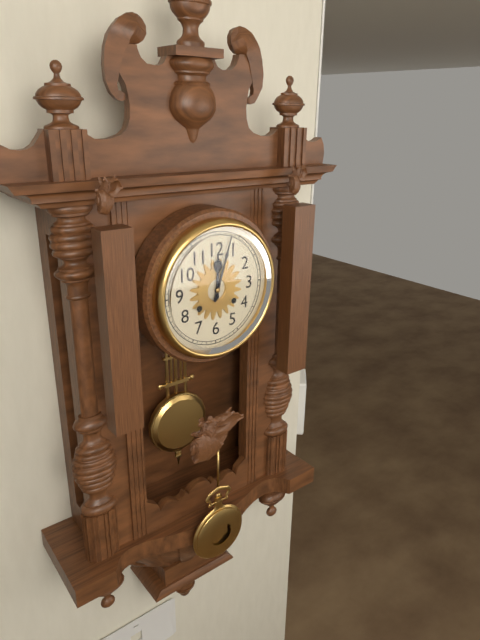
**12:03**
